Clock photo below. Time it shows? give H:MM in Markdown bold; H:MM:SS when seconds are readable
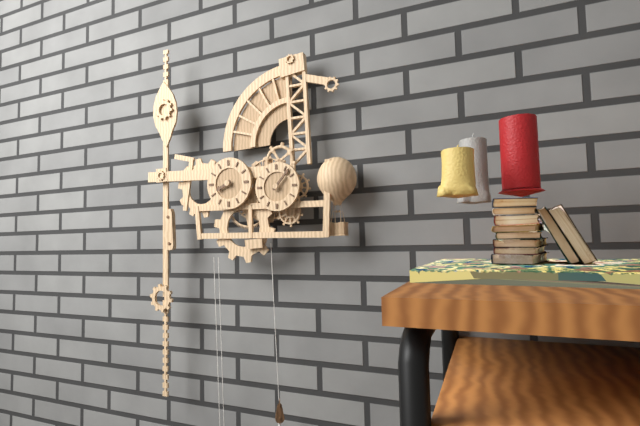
**8:07**
